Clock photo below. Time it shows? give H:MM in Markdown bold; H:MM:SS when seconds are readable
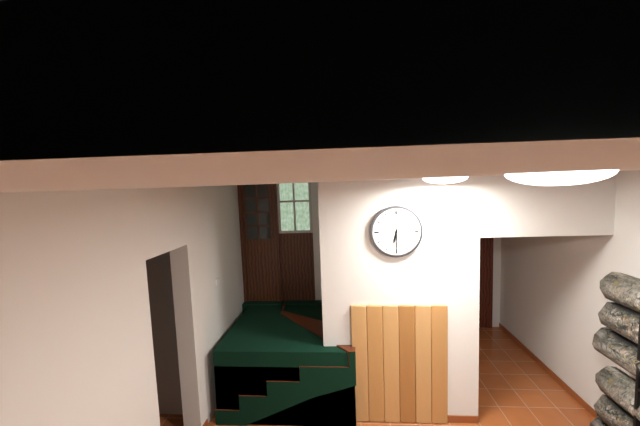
**6:30**
